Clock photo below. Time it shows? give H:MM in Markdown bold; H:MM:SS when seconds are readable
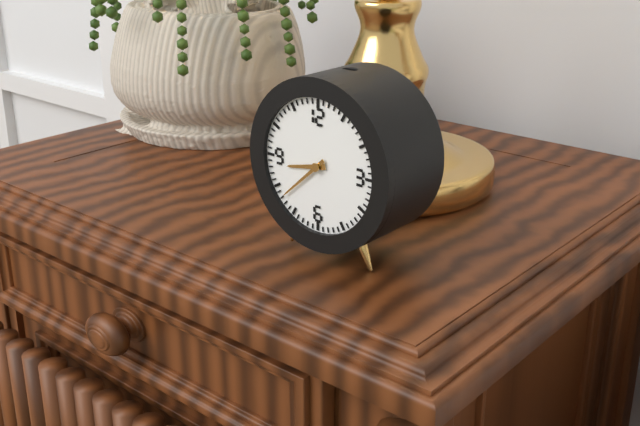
**8:38**
